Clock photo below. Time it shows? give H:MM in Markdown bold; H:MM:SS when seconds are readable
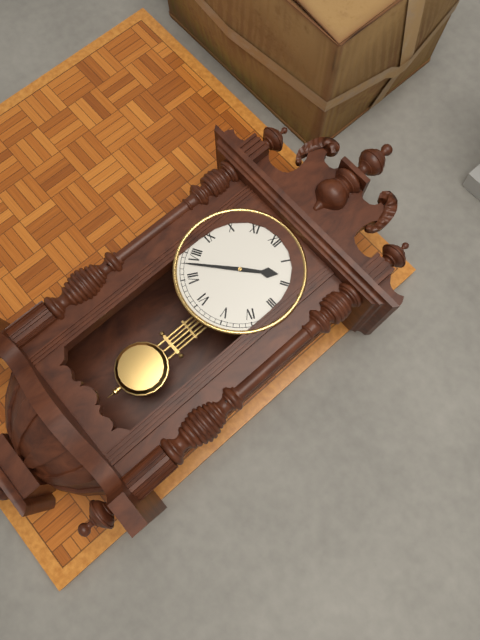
**1:38**
